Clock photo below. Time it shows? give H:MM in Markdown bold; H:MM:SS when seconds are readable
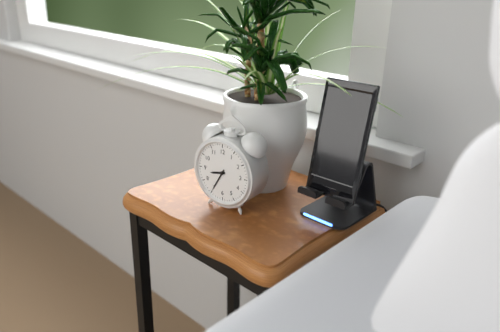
**8:35**
